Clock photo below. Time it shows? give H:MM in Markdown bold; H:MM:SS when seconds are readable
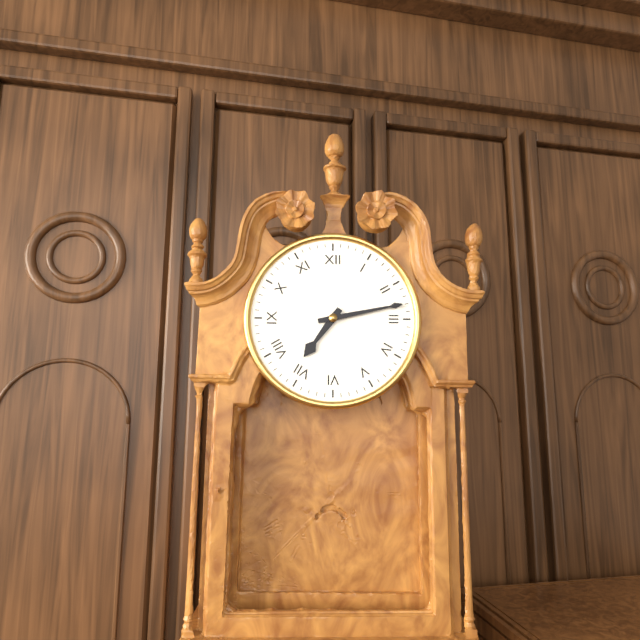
**7:13**
